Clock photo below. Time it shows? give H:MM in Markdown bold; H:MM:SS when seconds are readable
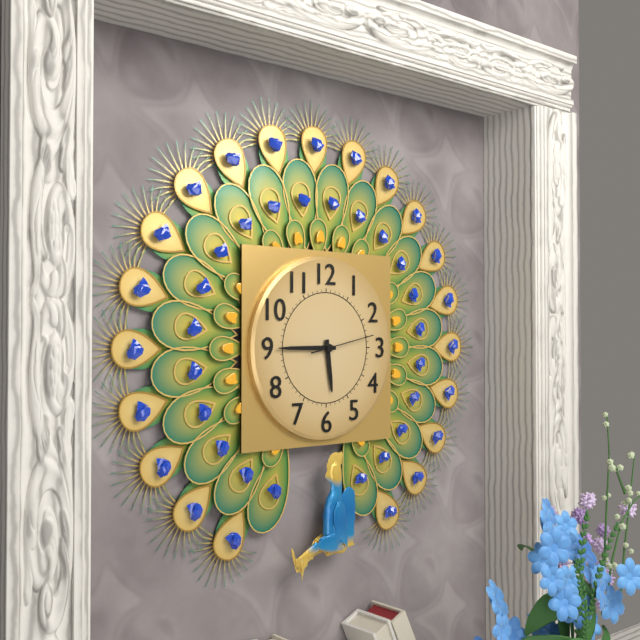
**5:45:13**
